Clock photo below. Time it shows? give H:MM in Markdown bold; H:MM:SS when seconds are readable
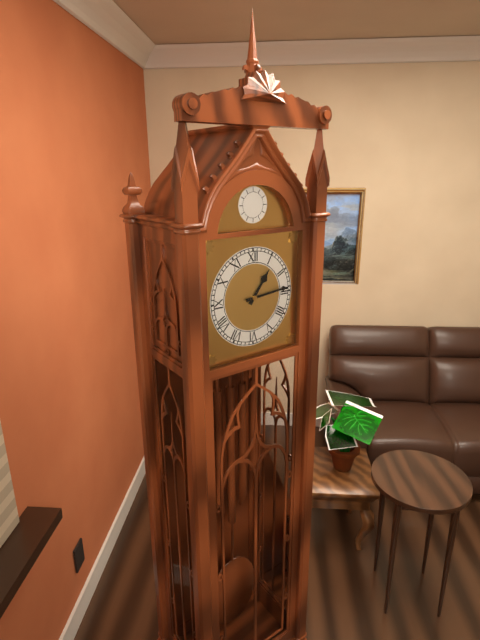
**1:14**
